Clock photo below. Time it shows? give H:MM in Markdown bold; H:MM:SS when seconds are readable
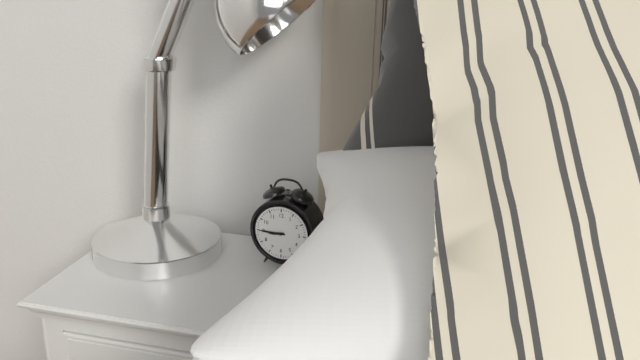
**8:45**
